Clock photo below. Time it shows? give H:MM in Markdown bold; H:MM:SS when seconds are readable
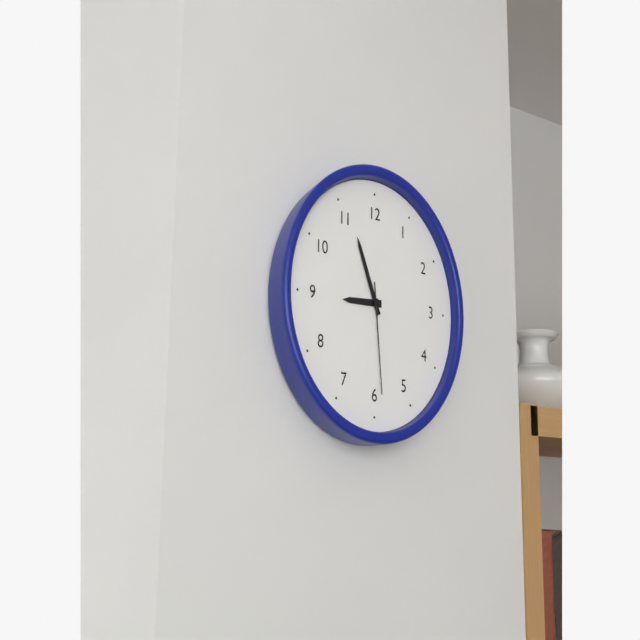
**8:56:29**
